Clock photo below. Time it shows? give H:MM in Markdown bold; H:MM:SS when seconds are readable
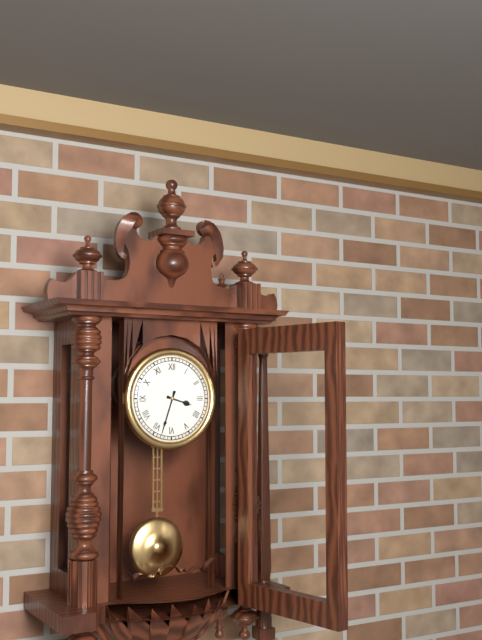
**3:33**
